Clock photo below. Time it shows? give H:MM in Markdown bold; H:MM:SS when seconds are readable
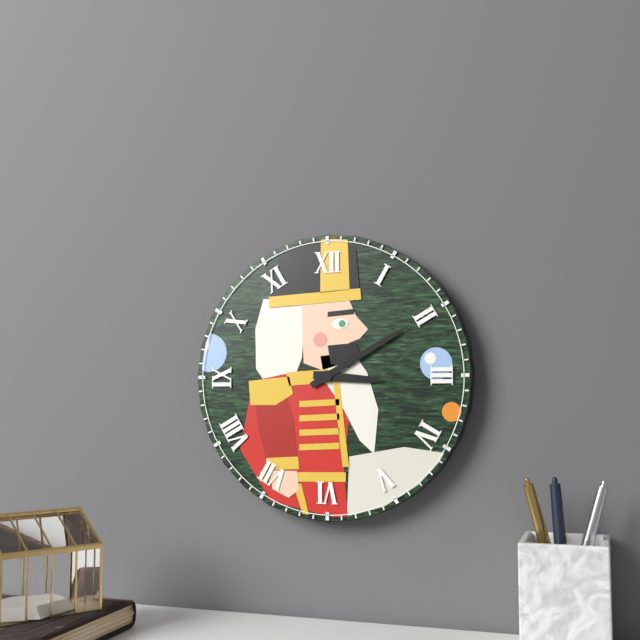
**3:10**
